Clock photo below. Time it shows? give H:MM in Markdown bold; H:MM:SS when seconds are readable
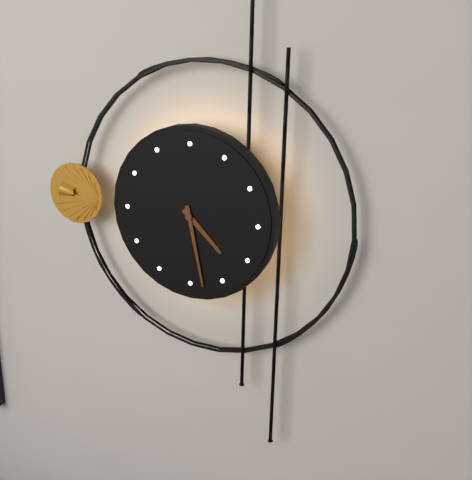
**4:28**
